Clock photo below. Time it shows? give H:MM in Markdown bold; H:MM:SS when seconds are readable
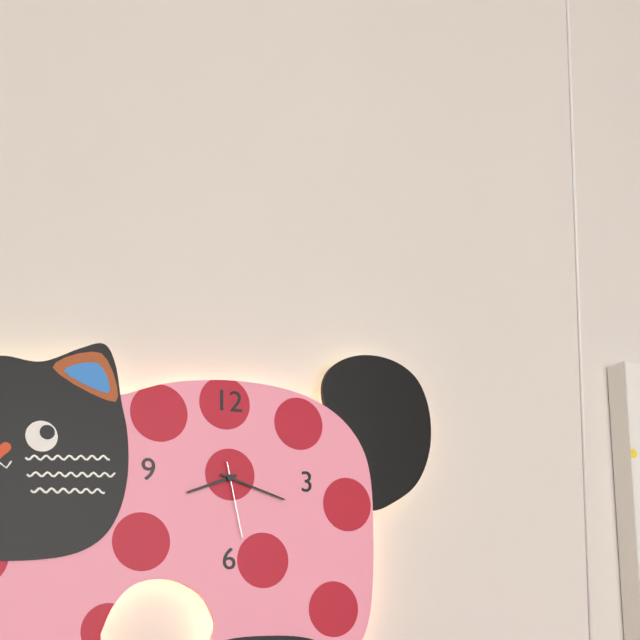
**8:18:28**
